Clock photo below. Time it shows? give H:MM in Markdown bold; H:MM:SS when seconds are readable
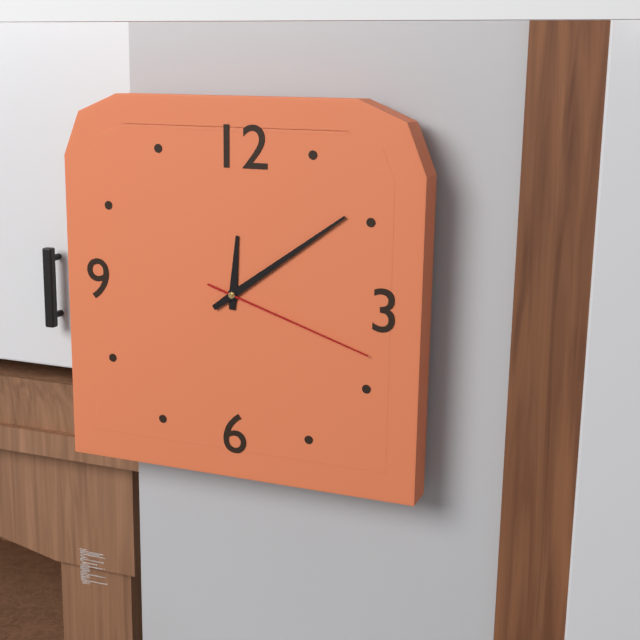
**12:09:18**
